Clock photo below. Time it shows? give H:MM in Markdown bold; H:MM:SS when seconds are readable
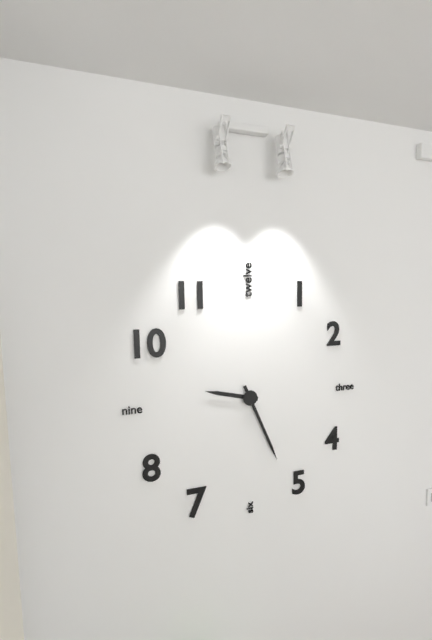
**9:26**
